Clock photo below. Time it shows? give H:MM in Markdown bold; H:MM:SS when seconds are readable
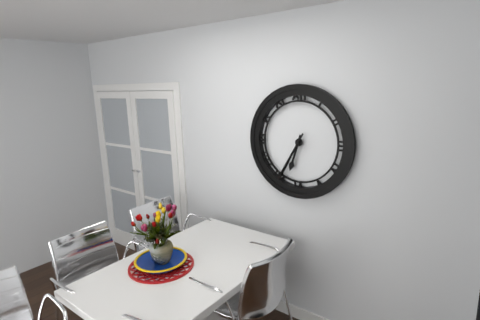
**6:35**
